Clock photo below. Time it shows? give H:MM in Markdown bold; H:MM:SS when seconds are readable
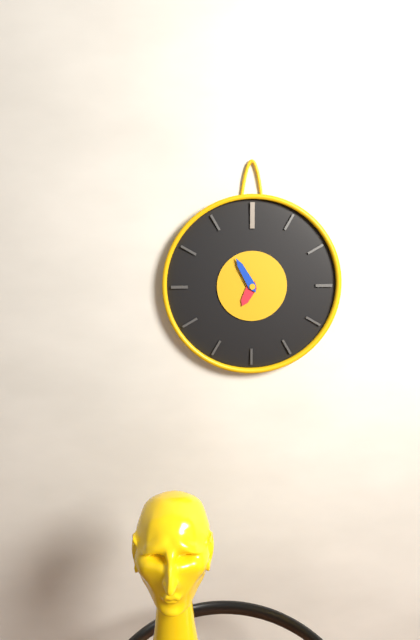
**6:55**
